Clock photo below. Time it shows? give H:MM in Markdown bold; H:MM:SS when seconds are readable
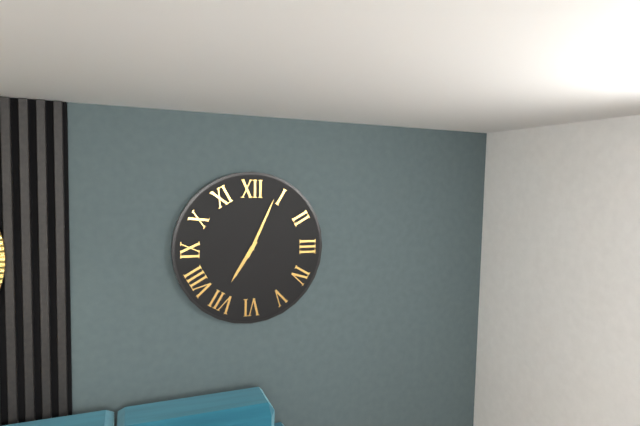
**7:04**
